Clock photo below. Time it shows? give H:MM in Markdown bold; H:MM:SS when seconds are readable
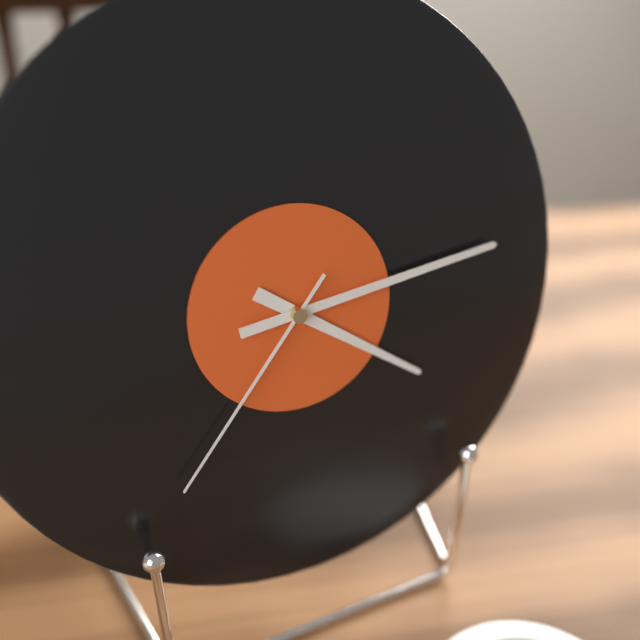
**4:14:37**
